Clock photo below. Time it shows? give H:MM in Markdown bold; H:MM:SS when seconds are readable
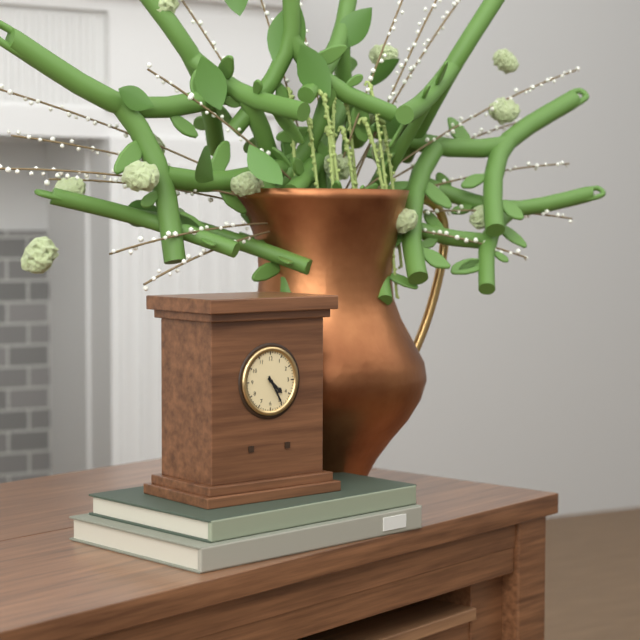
**4:25**
